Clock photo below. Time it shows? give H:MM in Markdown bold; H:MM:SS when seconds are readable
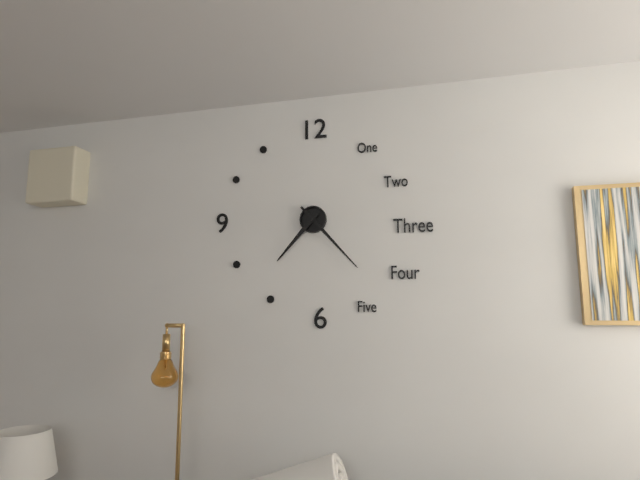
**7:23**
